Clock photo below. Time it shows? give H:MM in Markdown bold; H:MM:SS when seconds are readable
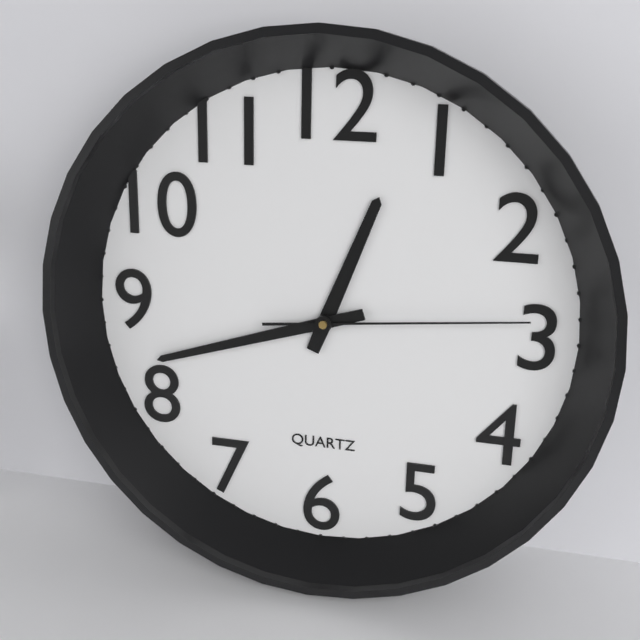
**12:42:14**
